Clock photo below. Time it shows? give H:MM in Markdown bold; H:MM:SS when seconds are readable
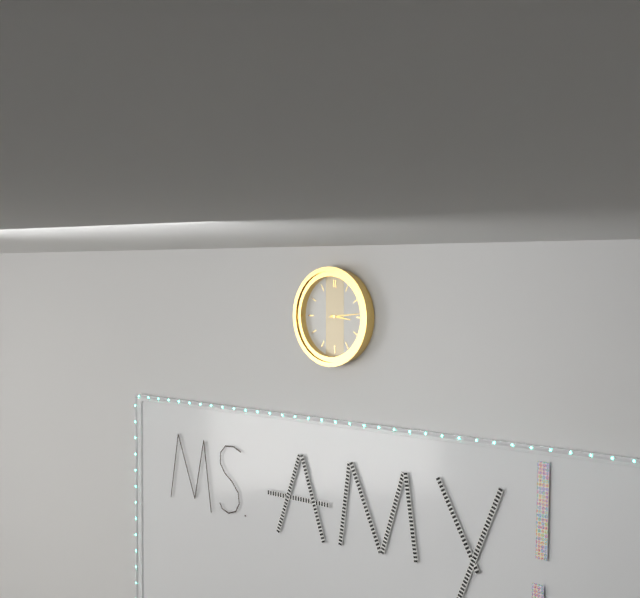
**3:14**
